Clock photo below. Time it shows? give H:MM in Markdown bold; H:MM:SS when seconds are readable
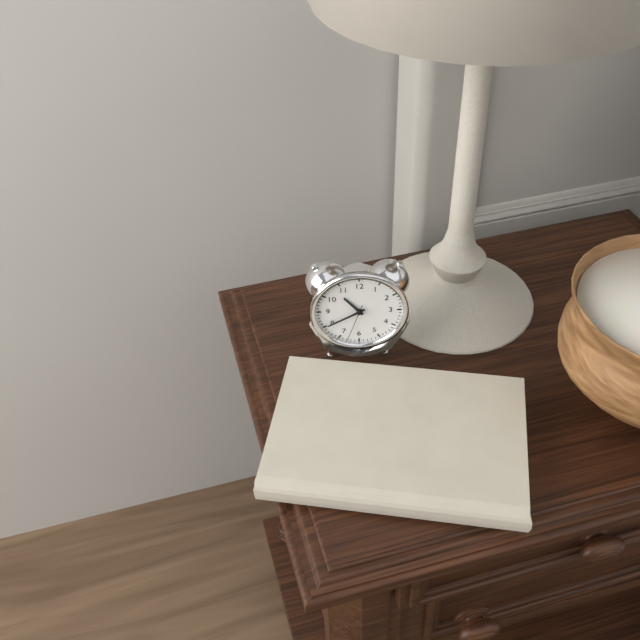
**10:40**
